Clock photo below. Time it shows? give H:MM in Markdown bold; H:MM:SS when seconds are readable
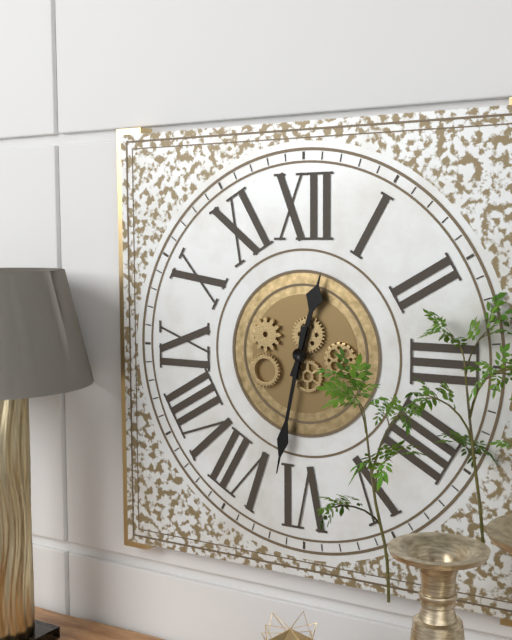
**12:32**
